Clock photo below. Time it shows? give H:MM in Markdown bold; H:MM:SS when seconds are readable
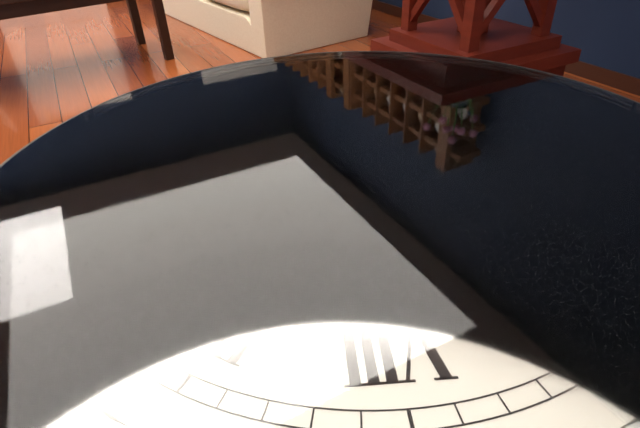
**11:39**
